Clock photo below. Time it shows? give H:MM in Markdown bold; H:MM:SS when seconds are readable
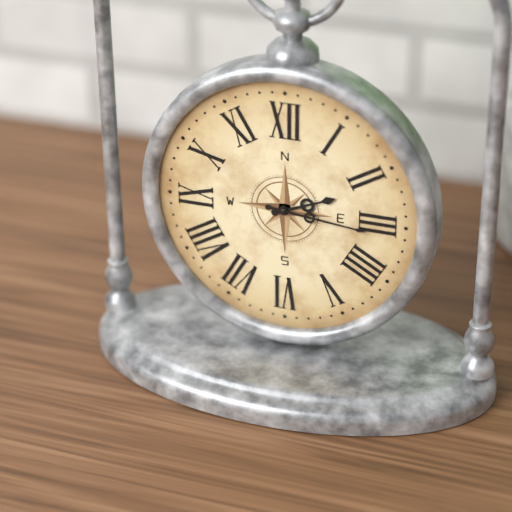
**2:16**
